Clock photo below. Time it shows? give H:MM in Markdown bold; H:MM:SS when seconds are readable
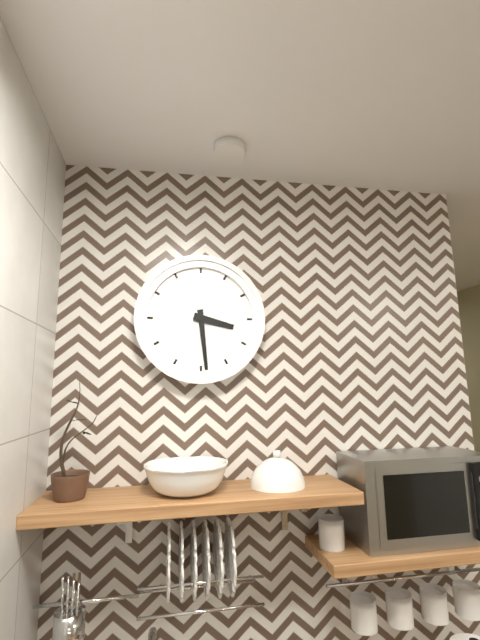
**3:29**
